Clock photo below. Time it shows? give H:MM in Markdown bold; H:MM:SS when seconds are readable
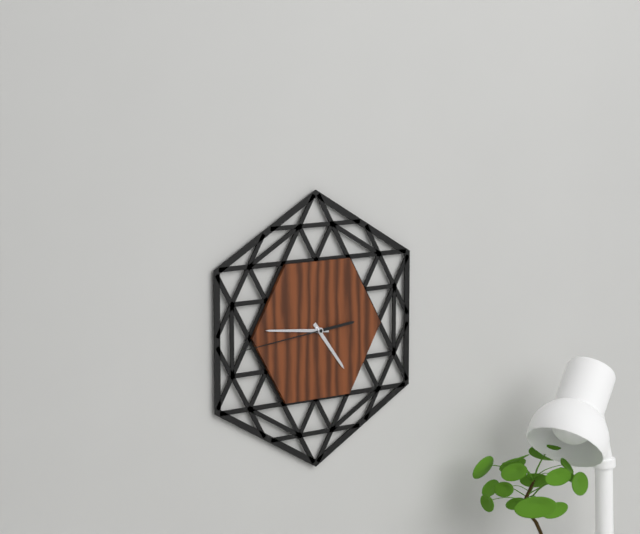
**4:46:44**
